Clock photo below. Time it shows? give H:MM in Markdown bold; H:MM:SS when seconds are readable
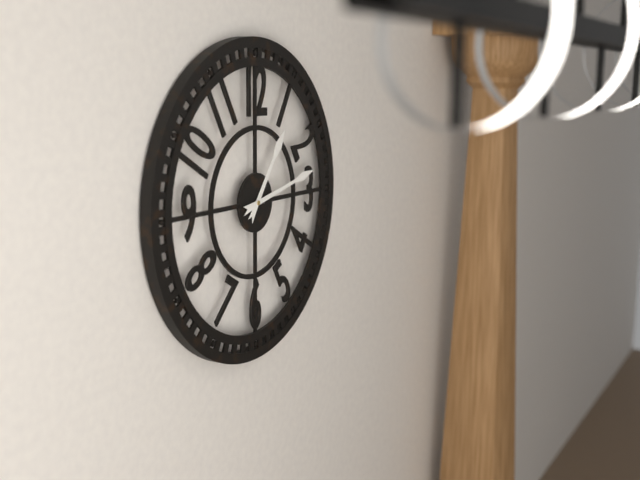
**1:13**
